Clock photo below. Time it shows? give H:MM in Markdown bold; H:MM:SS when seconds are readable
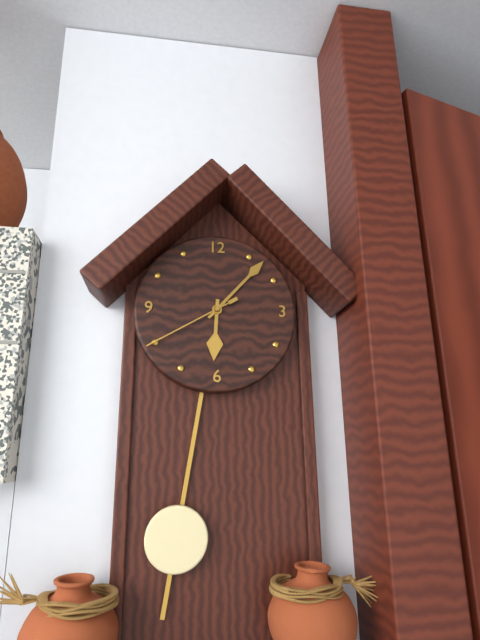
**6:07:40**
